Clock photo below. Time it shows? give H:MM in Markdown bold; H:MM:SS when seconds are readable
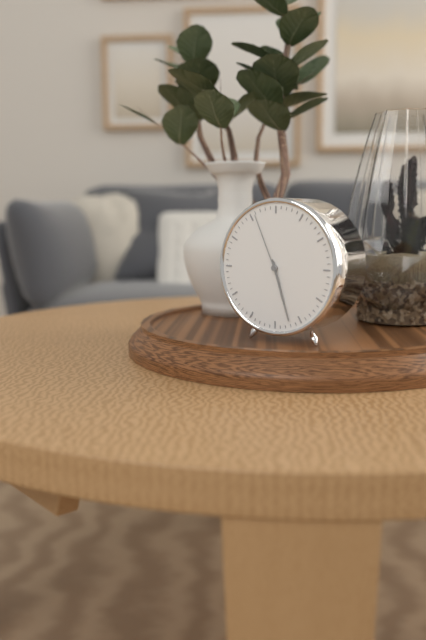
**5:27:56**
